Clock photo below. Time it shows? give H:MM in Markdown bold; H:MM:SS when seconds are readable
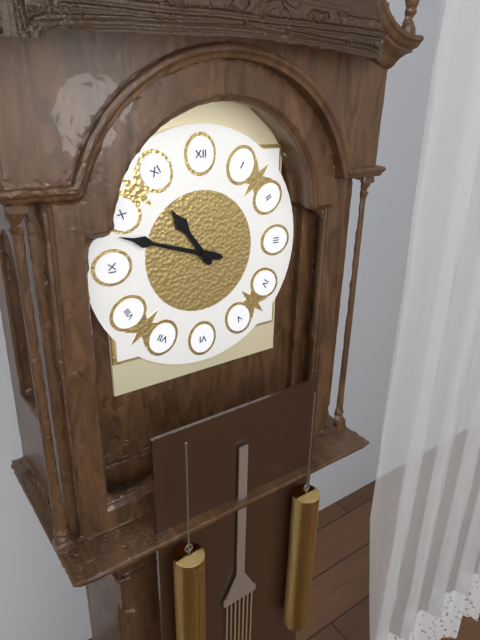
**10:48**
